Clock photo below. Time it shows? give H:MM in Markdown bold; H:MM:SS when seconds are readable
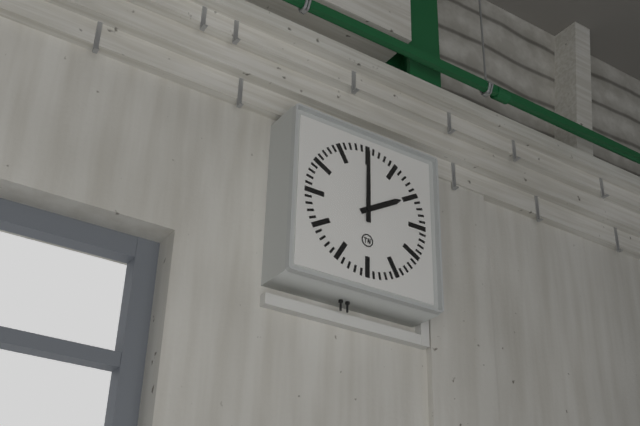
**2:00**
